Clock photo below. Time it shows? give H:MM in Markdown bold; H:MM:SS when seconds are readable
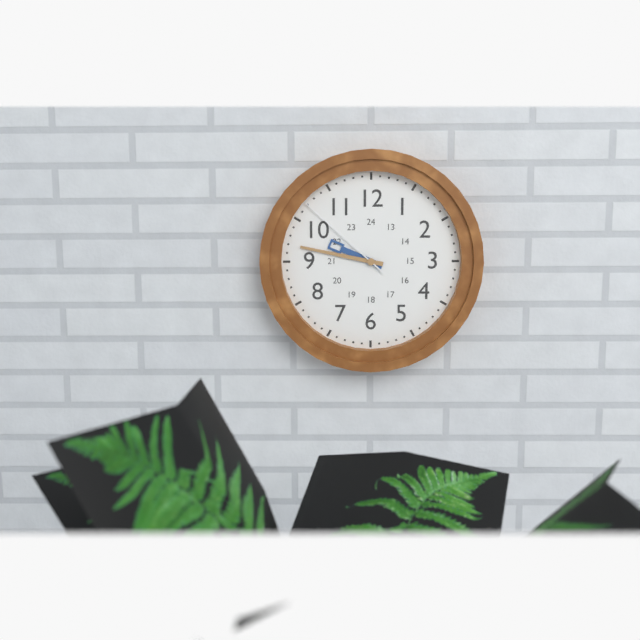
**9:47:52**
